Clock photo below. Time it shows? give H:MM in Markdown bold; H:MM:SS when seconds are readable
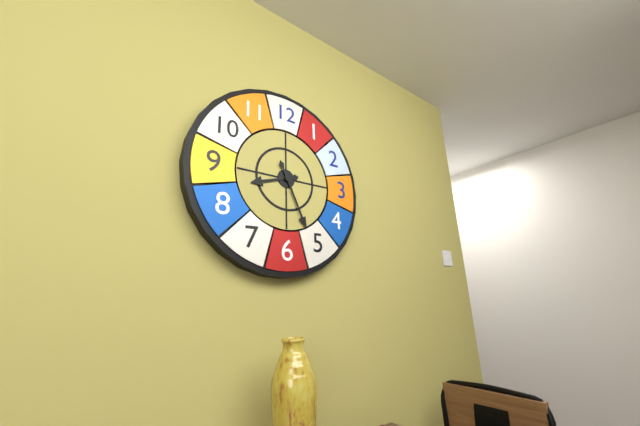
**8:26**
